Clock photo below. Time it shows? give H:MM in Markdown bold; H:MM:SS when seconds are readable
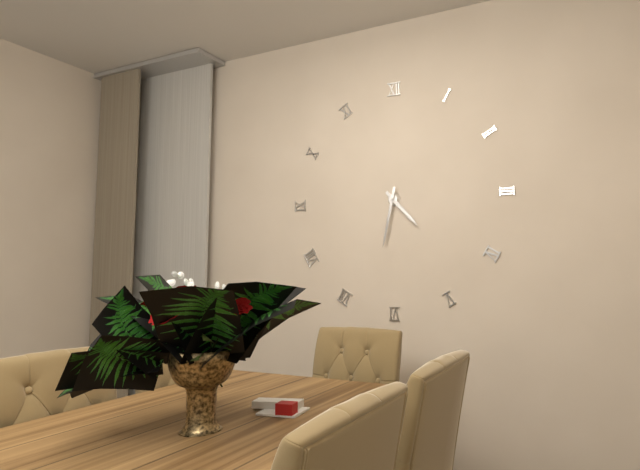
**4:32**
